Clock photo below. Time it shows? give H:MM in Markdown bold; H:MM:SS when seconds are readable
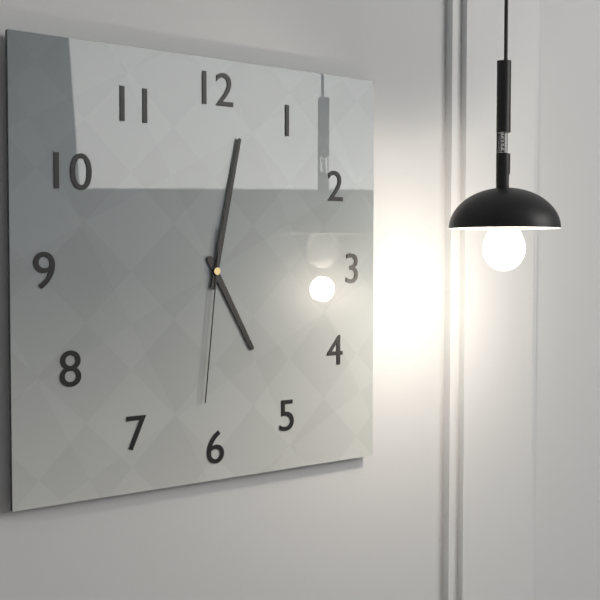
**5:02:31**
